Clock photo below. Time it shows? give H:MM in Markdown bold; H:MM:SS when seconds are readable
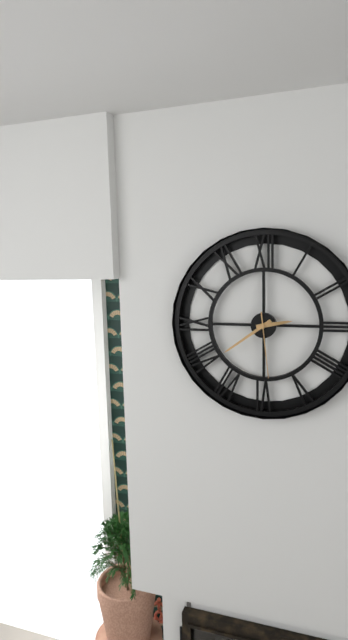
**2:39:29**
